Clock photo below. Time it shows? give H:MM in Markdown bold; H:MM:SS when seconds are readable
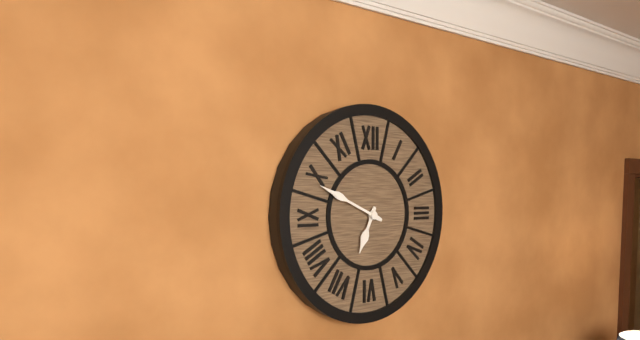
**6:49**
